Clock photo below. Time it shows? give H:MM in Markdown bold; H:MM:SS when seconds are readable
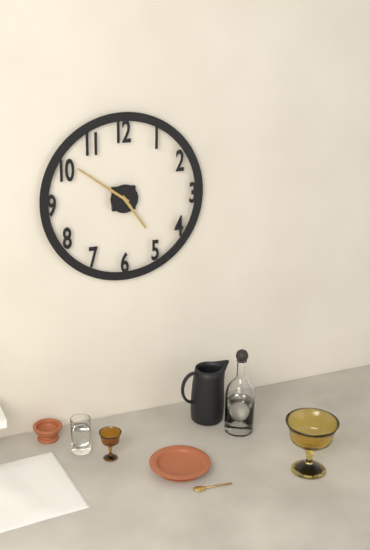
**4:51**
